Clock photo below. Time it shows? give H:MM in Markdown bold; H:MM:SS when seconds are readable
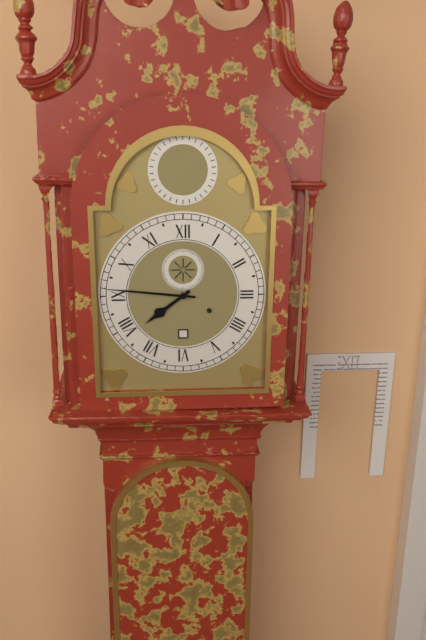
**7:46**
